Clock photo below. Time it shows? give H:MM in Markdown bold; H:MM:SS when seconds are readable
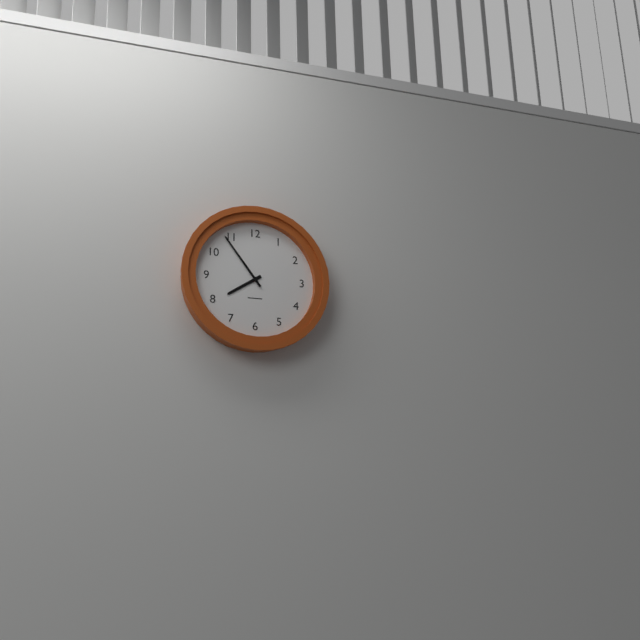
**7:54**
